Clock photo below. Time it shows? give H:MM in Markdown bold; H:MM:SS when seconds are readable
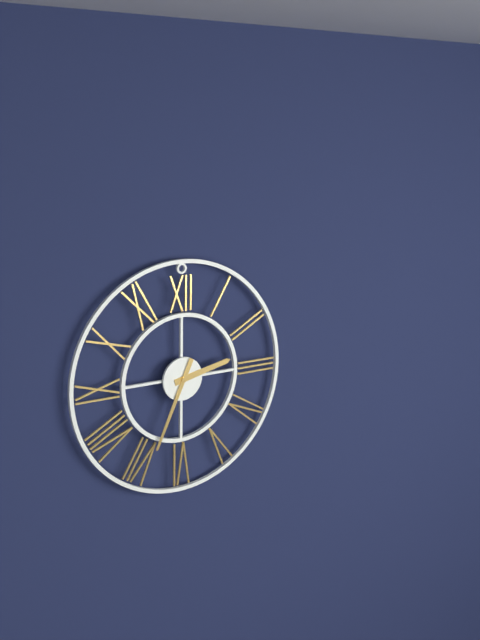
**2:34**
